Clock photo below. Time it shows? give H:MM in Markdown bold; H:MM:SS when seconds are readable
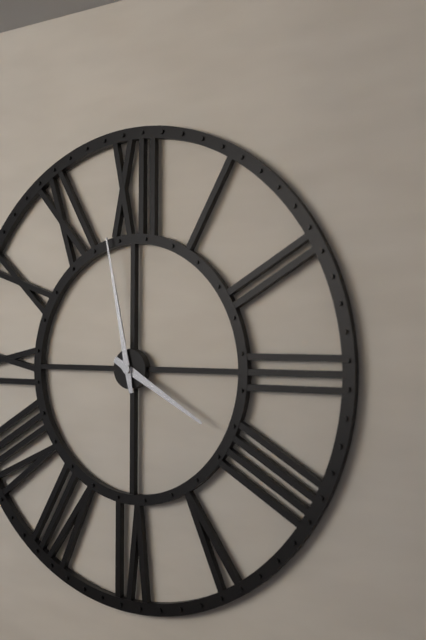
**3:58**
